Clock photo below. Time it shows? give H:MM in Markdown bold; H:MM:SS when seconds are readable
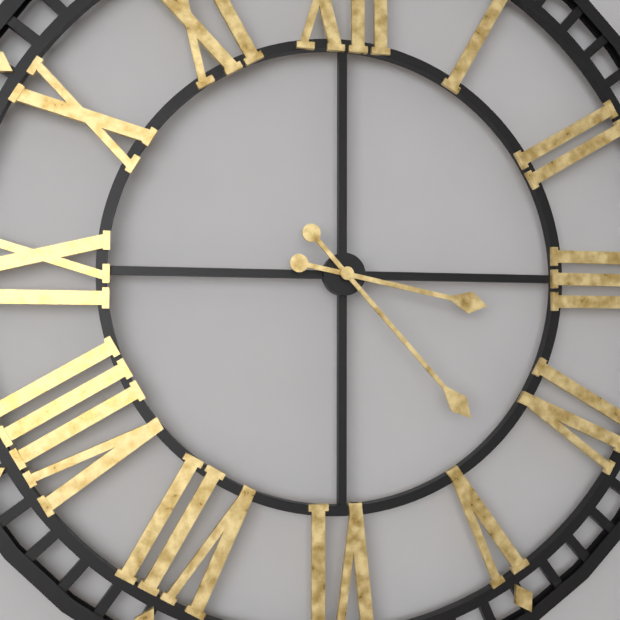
**3:23**
